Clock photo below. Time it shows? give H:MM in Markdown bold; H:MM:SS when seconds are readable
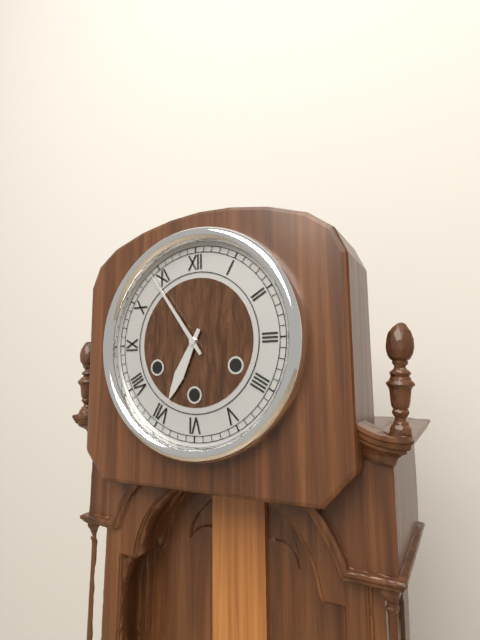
**6:54**
